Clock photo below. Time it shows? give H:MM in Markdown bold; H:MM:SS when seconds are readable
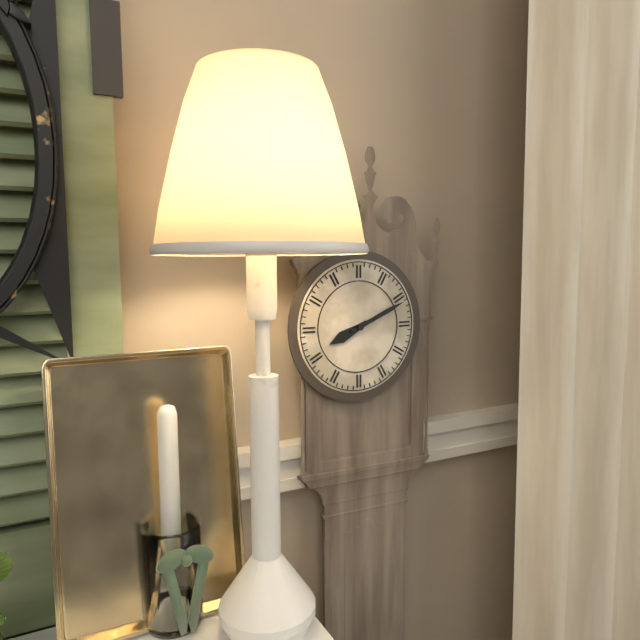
**8:11**
